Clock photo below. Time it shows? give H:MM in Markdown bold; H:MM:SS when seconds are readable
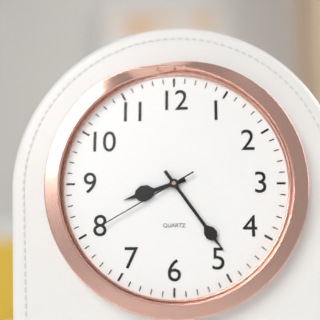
**8:24:40**
